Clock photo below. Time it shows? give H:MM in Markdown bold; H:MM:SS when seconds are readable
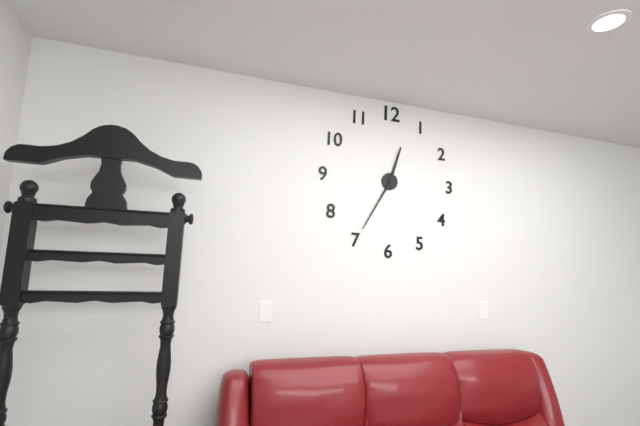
**12:35**
